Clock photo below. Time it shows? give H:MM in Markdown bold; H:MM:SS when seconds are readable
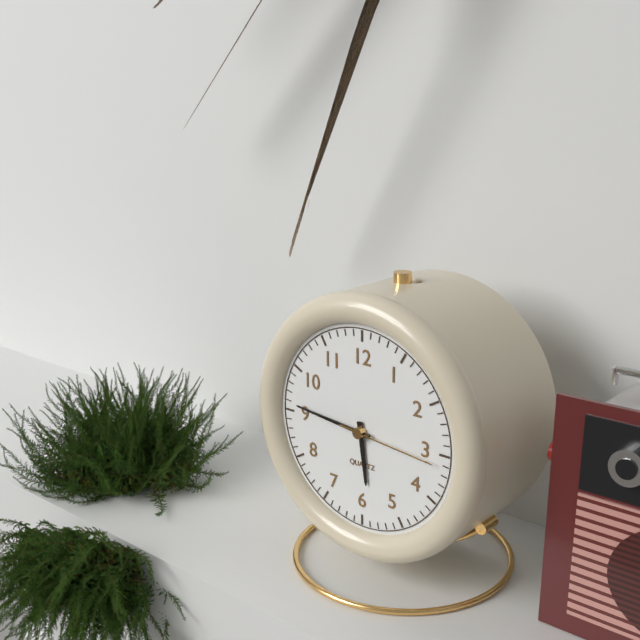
**5:46:16**
